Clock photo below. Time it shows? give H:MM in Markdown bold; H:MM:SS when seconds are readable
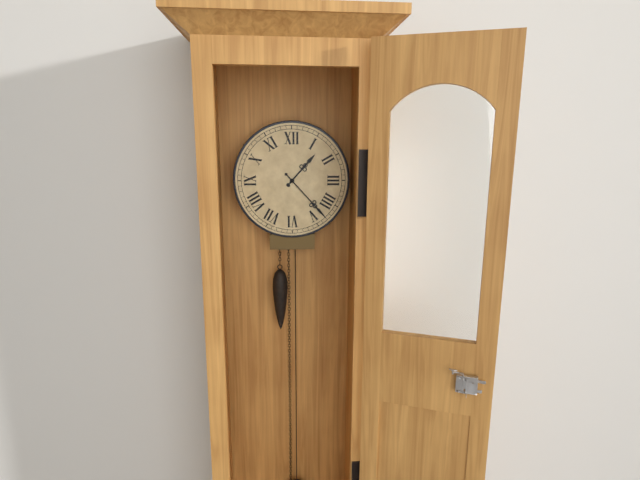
**1:23**
